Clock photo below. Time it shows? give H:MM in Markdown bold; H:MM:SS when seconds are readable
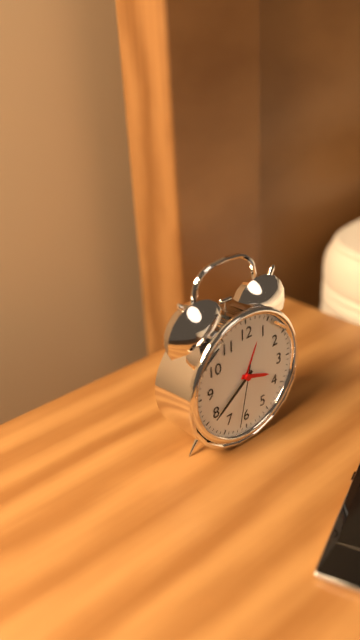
**3:39:32**
